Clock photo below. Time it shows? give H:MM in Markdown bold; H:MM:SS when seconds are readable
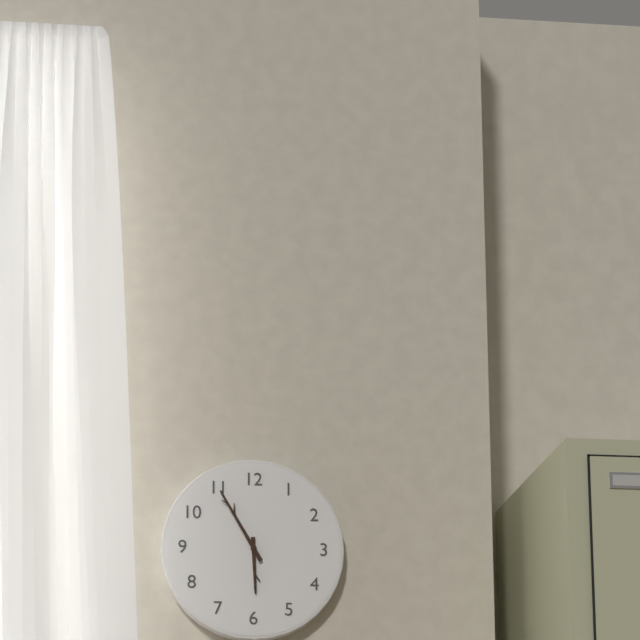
**5:55**
